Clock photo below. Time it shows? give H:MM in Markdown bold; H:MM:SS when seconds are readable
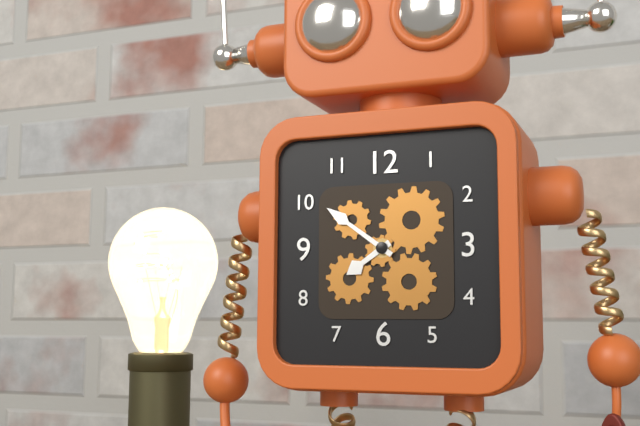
**7:51**
